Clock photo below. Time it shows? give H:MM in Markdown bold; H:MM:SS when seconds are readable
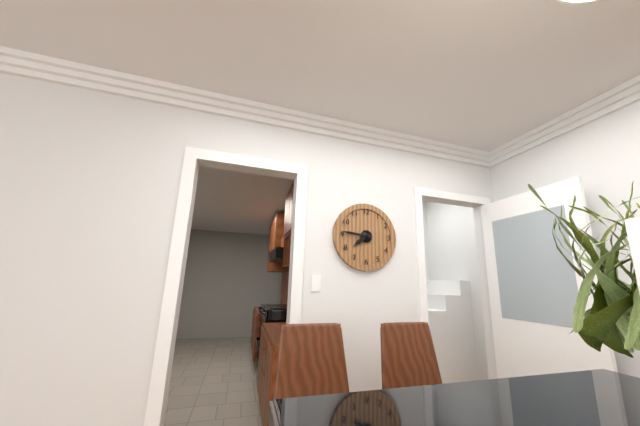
**7:46**
